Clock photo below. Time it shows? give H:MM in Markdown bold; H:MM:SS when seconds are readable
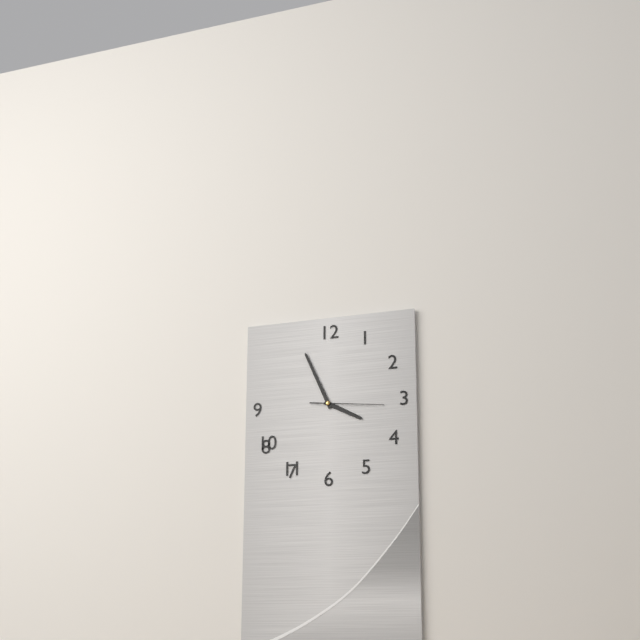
**3:56:16**
